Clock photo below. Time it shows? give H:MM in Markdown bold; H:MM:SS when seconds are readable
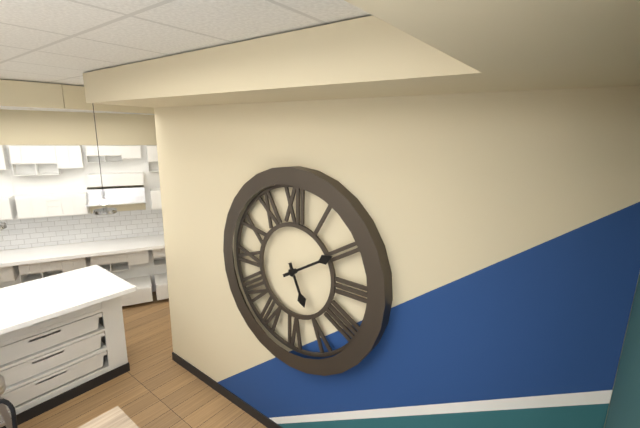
**5:10**
